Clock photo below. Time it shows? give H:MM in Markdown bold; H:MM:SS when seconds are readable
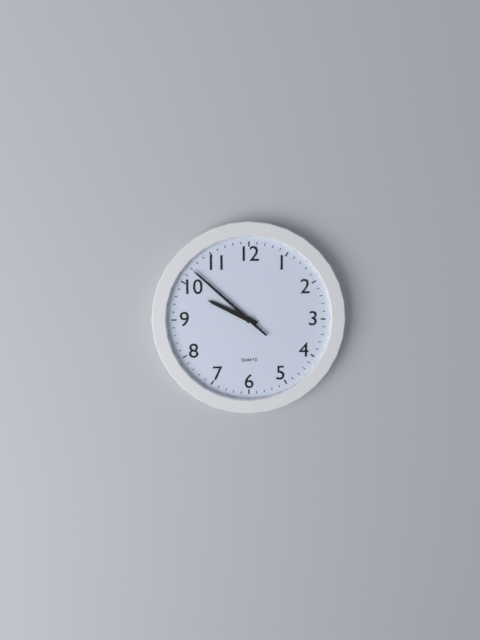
**9:52**
